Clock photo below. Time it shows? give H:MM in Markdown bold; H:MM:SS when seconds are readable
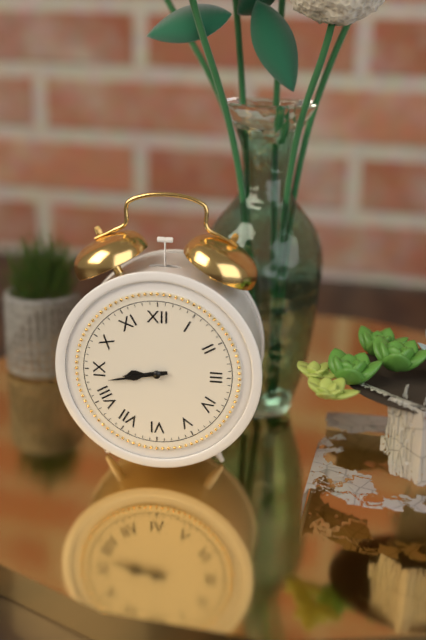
**8:43**
